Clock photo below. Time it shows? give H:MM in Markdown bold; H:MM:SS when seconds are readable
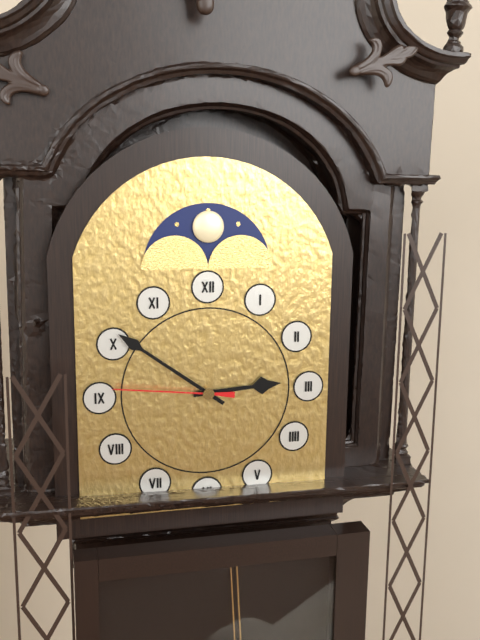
**2:51:46**
